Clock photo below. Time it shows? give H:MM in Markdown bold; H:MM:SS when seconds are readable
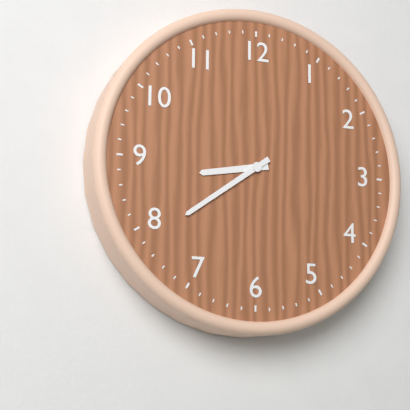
**8:39**
